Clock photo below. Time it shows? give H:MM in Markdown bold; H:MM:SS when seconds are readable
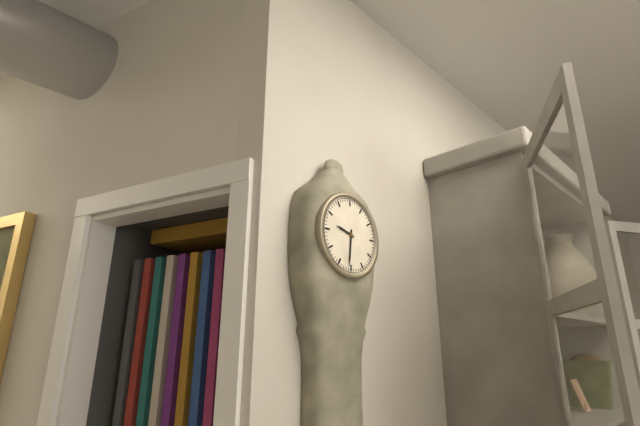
**9:31**
